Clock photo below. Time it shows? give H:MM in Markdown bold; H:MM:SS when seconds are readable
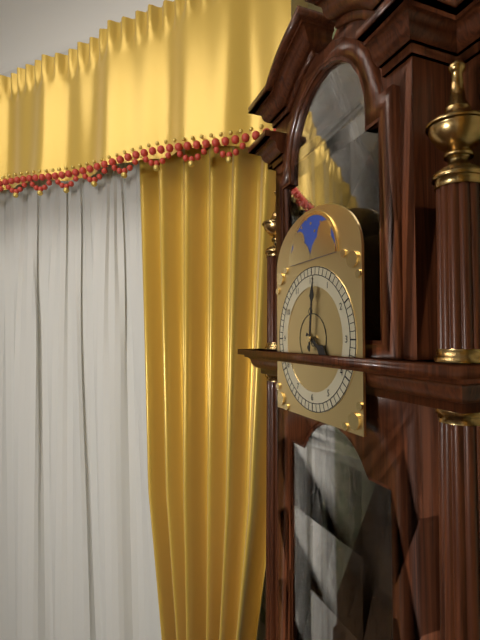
**4:01**
